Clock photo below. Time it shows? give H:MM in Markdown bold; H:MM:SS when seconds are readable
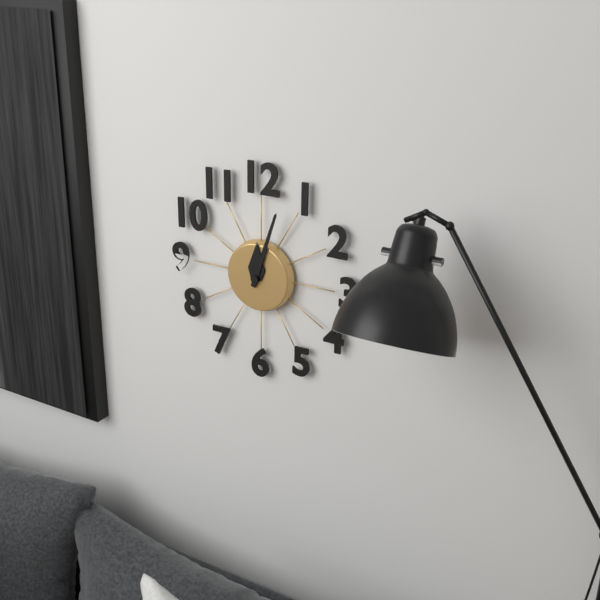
**12:03**
